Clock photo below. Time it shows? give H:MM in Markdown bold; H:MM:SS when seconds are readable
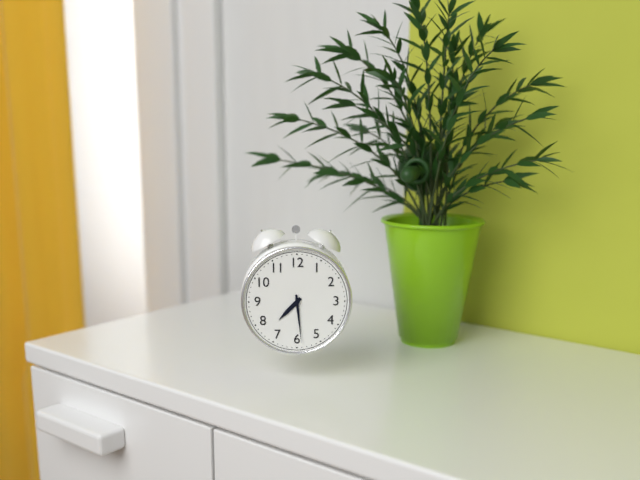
**7:29**
